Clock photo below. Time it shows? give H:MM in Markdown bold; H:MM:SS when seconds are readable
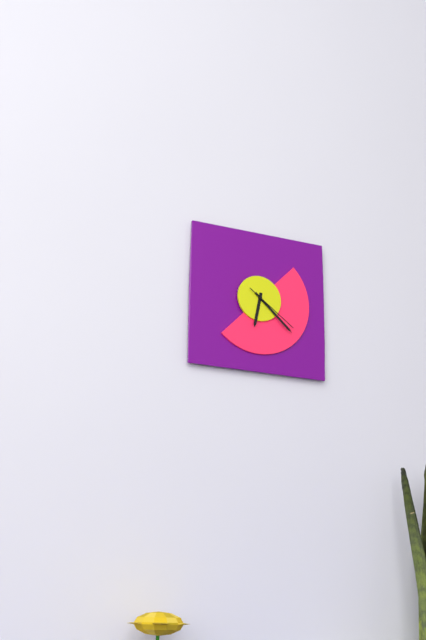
**6:22:21**
